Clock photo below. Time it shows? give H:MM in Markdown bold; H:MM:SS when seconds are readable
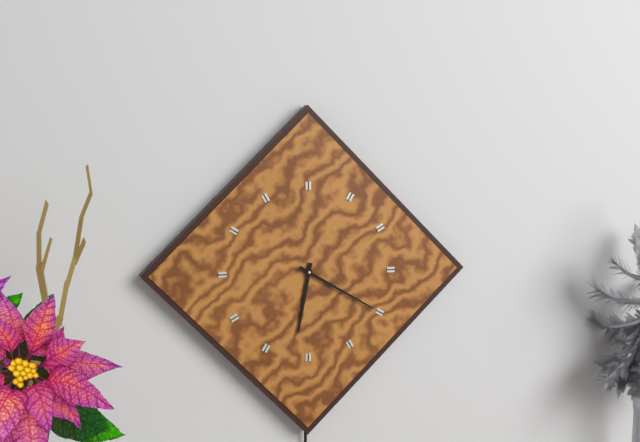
**6:20**
